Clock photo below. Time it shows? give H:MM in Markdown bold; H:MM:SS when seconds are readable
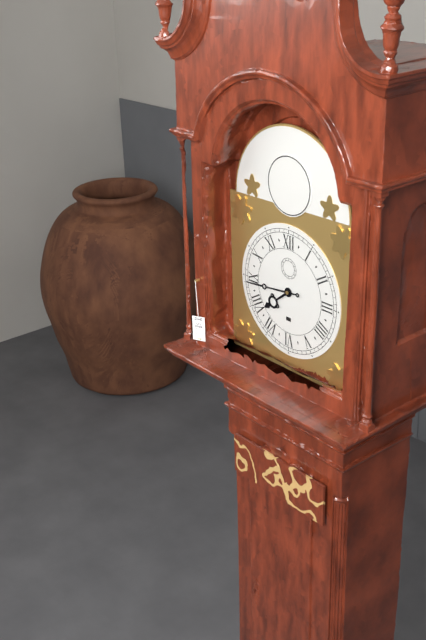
**7:44**
